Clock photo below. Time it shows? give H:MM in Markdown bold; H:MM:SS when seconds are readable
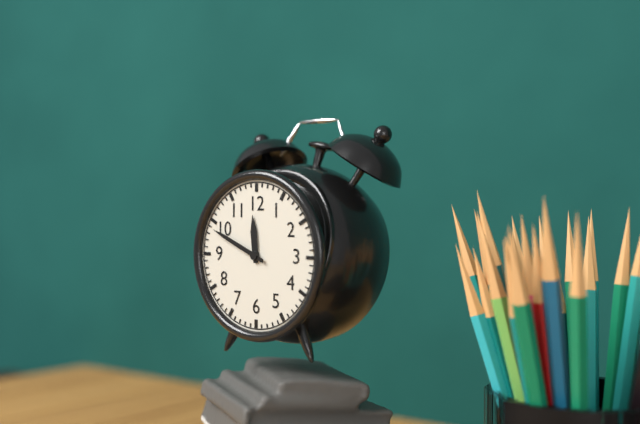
**11:49**
